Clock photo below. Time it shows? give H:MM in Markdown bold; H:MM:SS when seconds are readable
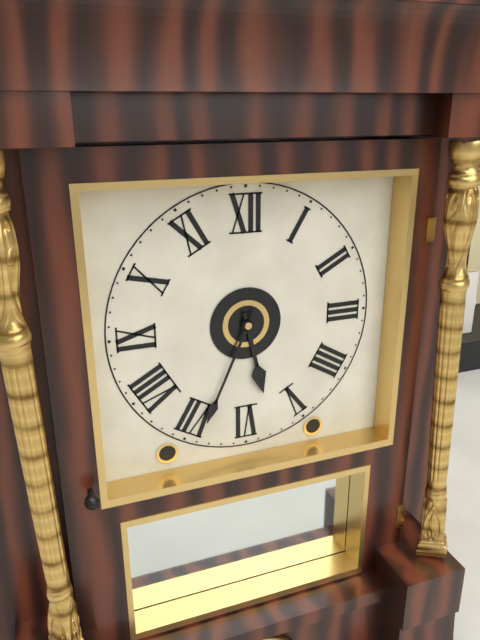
**5:34**
